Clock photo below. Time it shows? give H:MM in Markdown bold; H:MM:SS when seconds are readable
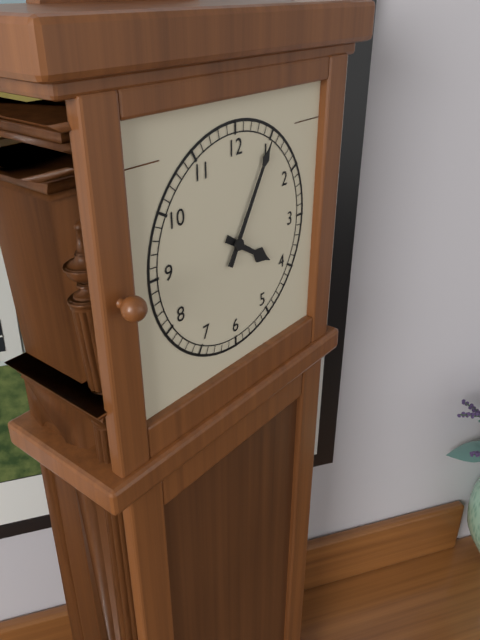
**4:05**
